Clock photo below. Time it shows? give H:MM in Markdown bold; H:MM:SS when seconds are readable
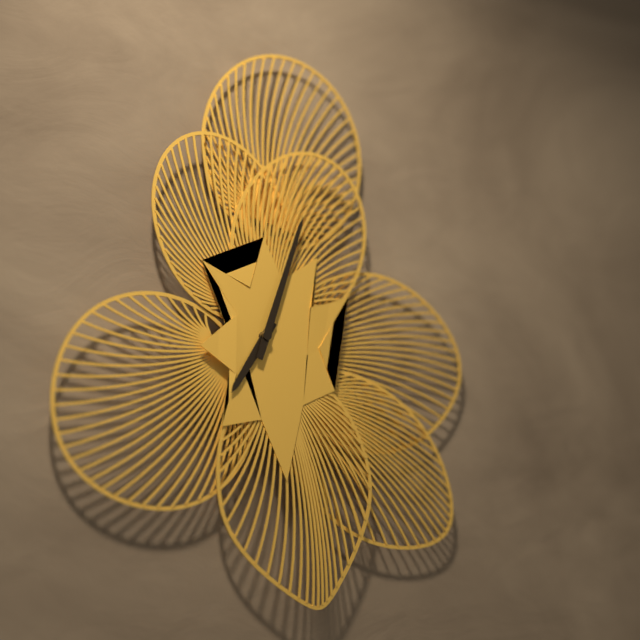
**7:03**
